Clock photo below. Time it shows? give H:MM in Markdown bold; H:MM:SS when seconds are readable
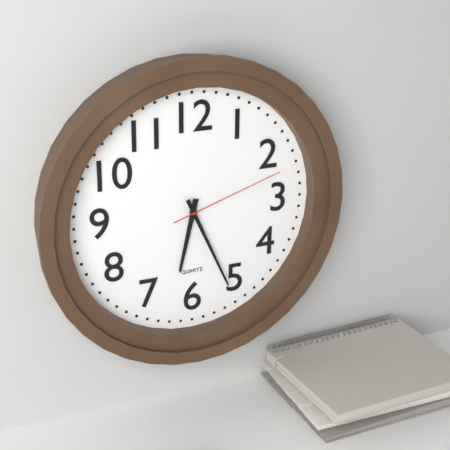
**6:26:12**
